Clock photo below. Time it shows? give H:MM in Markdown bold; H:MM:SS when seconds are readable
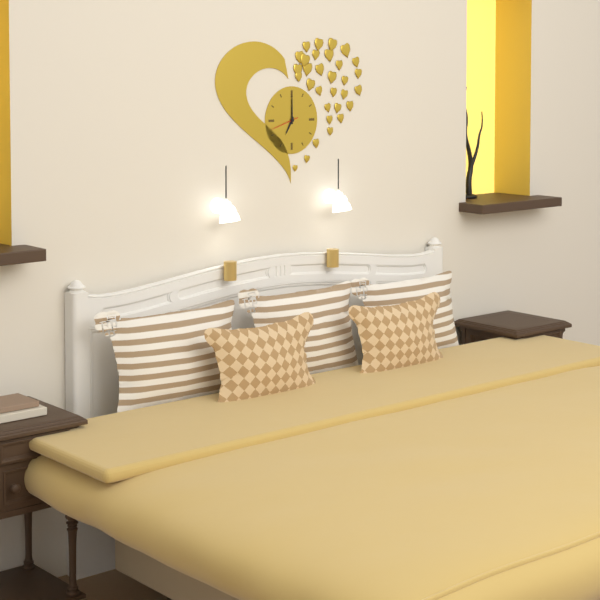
**7:00**
